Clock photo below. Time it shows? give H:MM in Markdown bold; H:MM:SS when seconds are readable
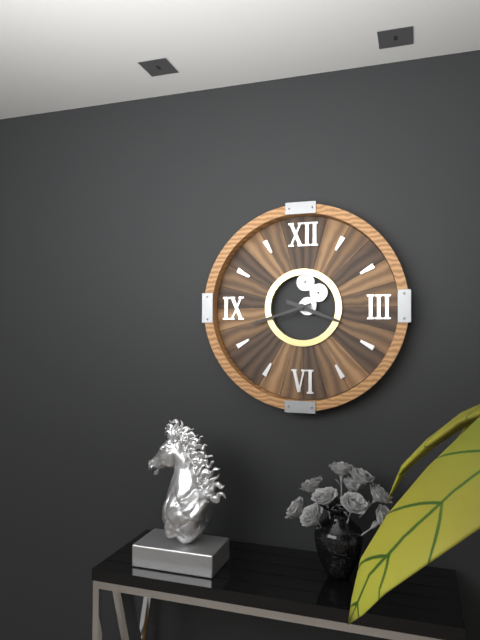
**3:42**
